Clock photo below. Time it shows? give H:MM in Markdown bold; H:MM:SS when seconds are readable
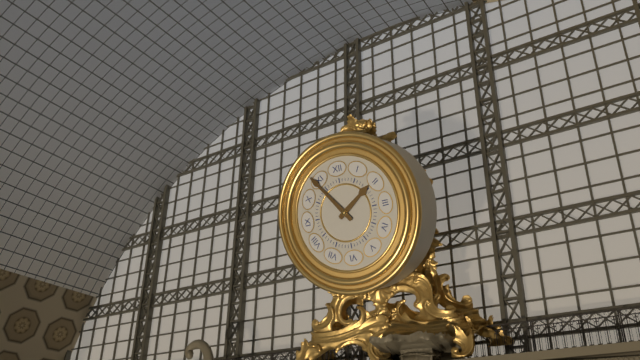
**1:54**
